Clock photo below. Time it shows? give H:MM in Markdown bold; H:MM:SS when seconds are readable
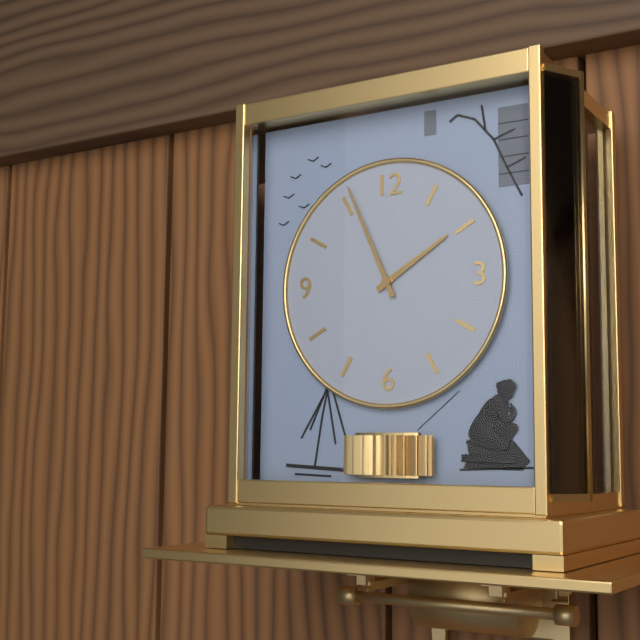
**1:56**
